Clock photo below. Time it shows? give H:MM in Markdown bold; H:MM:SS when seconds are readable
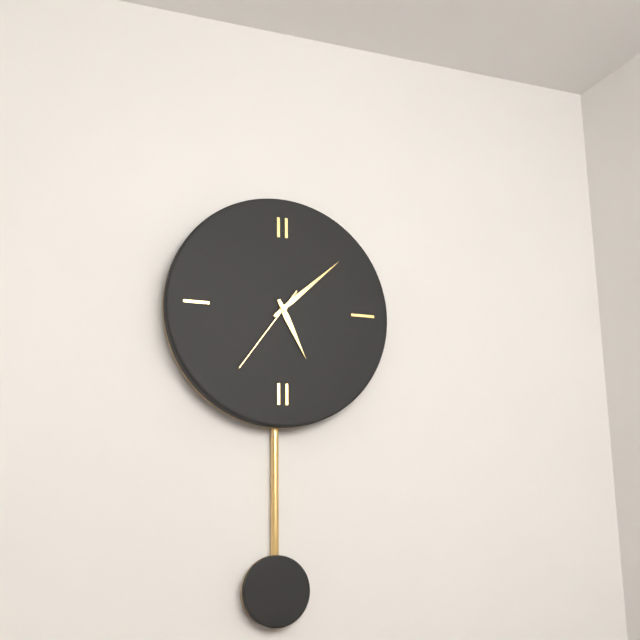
**5:08:36**
